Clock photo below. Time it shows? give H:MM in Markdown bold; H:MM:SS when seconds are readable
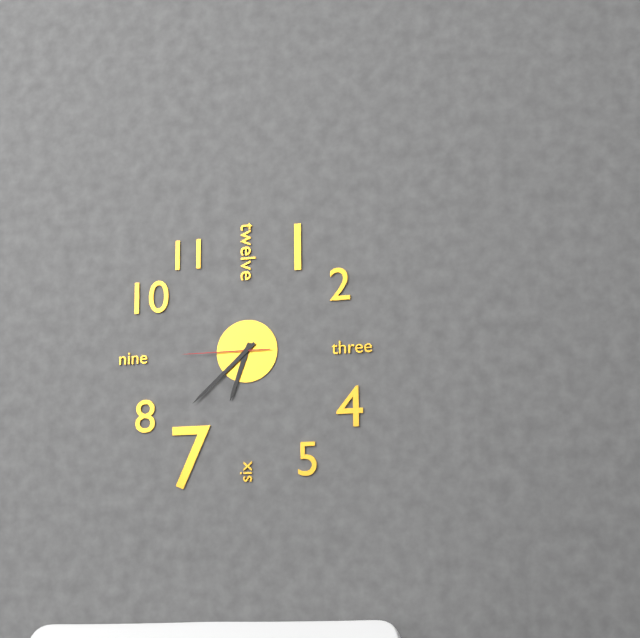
**6:38:45**
